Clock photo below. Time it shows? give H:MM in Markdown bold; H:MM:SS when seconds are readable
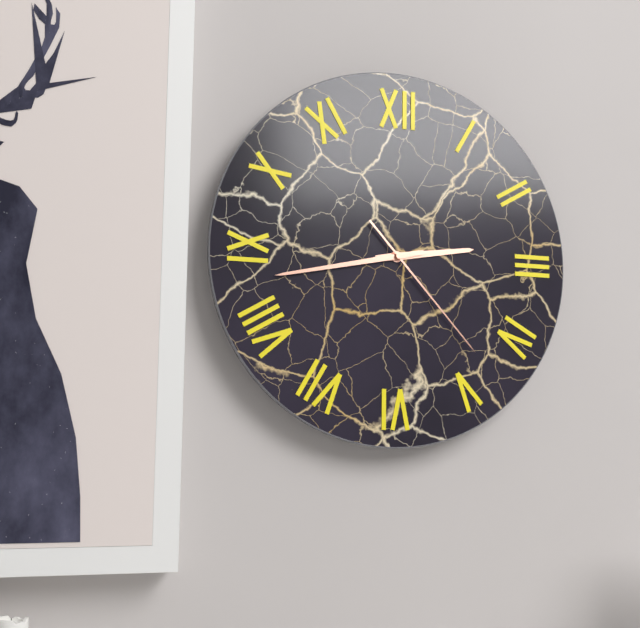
**2:43:23**
